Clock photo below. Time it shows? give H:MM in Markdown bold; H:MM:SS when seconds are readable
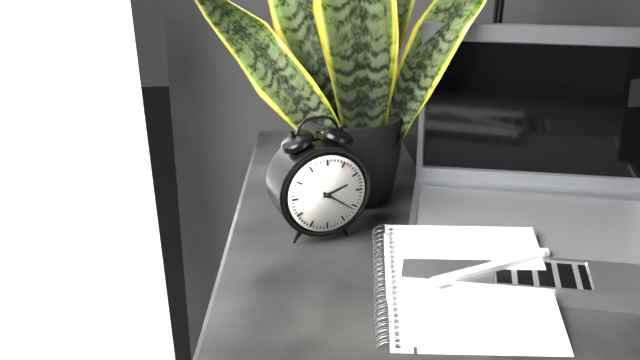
**2:21**
